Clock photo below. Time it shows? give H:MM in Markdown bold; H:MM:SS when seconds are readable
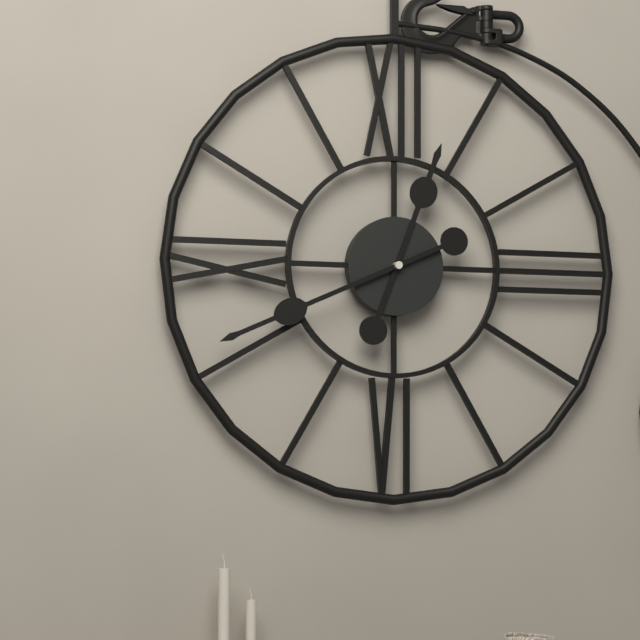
**12:41**
